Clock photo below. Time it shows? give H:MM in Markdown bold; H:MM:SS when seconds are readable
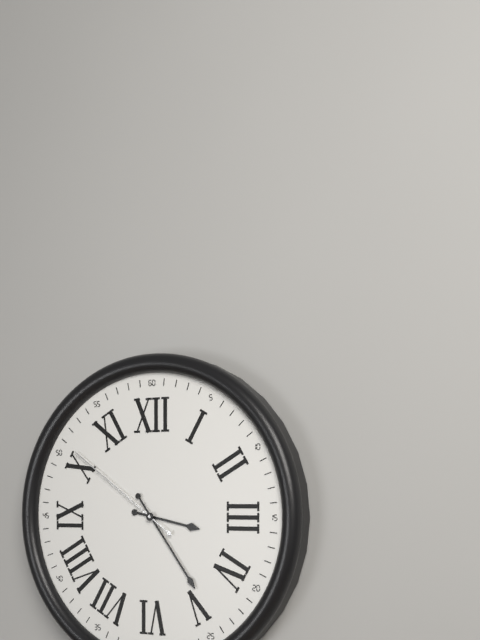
**3:24:51**
